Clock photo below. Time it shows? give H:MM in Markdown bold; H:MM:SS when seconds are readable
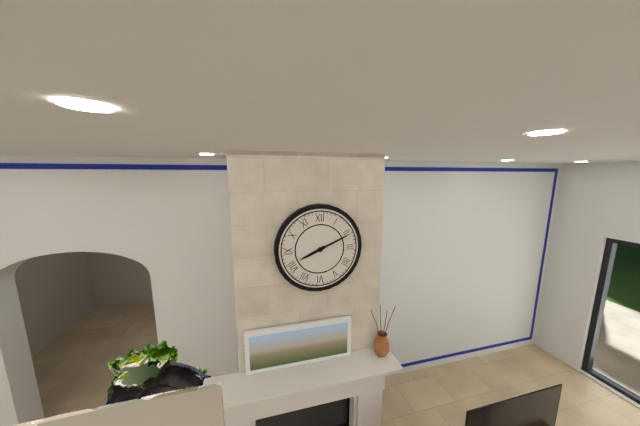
**8:11**
